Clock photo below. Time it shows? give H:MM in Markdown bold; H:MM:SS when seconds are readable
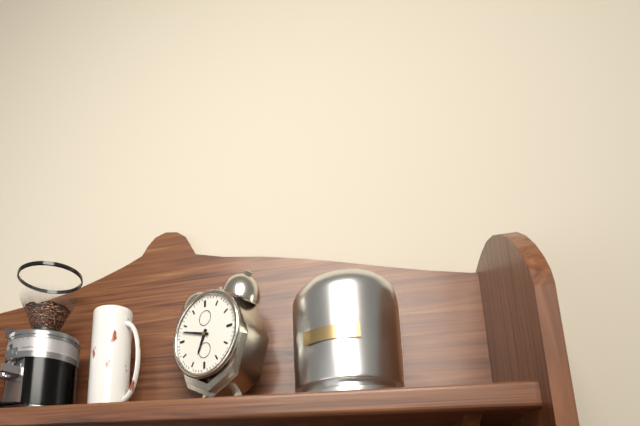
**6:48**
